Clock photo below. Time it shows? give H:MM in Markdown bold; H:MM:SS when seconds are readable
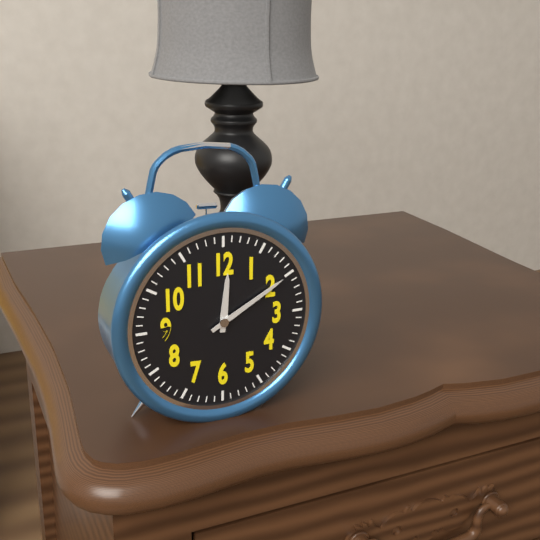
**12:10**
